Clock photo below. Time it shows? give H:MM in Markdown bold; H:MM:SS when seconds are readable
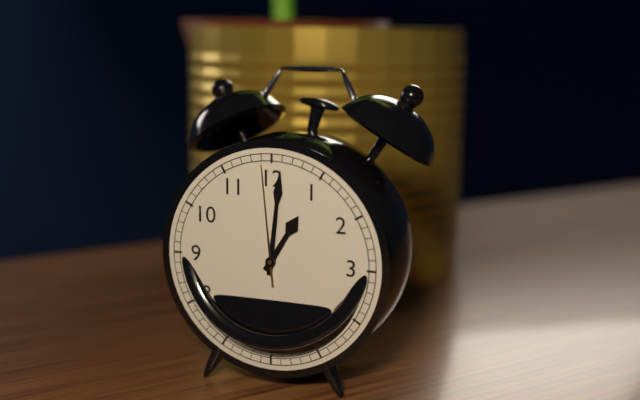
**1:01:59**
